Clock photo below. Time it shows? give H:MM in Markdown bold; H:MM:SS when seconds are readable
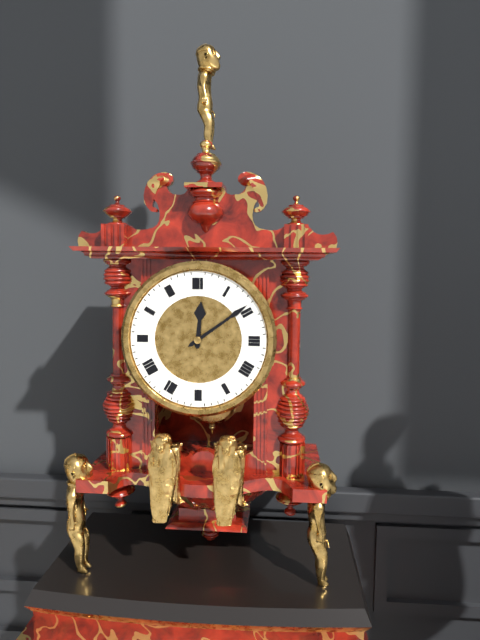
**12:09**
